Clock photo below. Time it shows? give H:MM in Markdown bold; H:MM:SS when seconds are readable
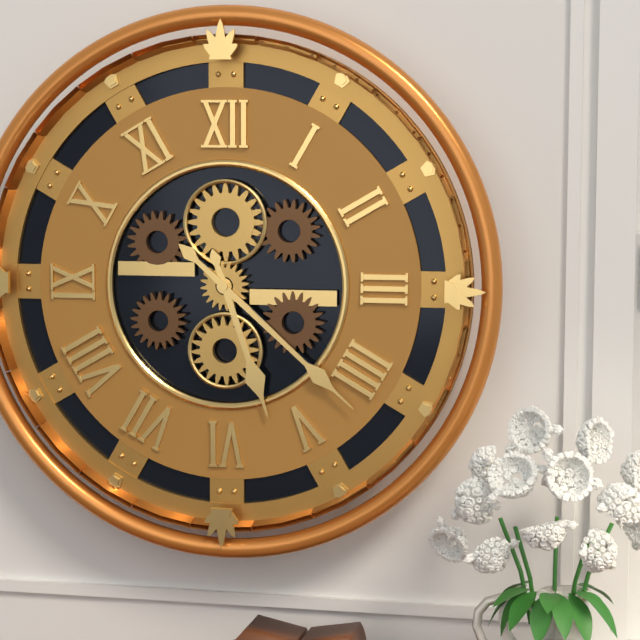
**5:22**
